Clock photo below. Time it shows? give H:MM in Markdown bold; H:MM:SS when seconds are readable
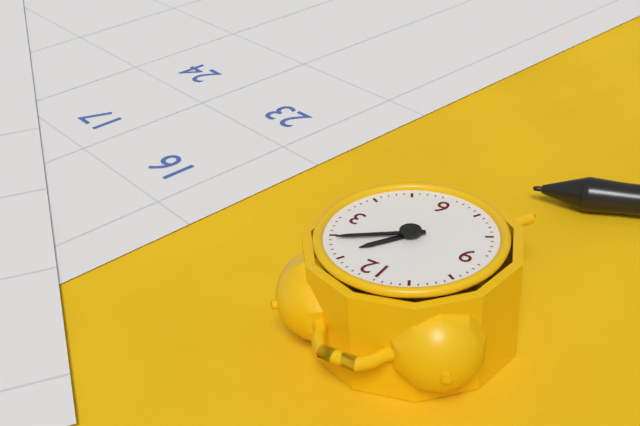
**1:09**
